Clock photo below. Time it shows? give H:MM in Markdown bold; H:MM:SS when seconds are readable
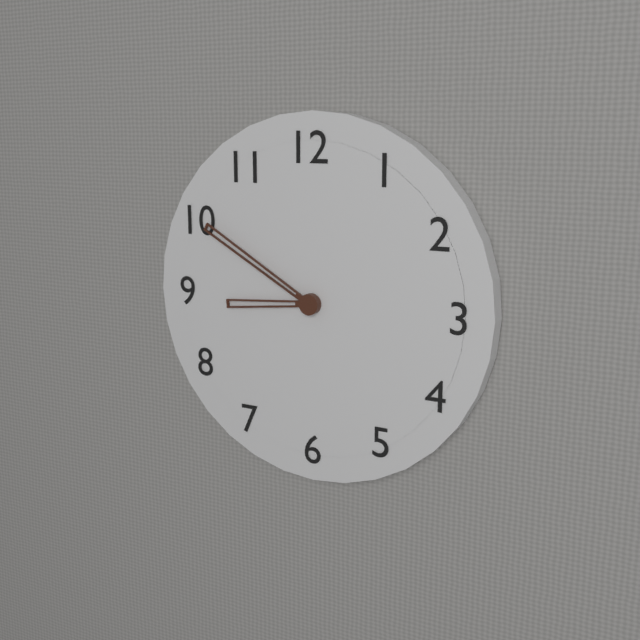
**8:50**
